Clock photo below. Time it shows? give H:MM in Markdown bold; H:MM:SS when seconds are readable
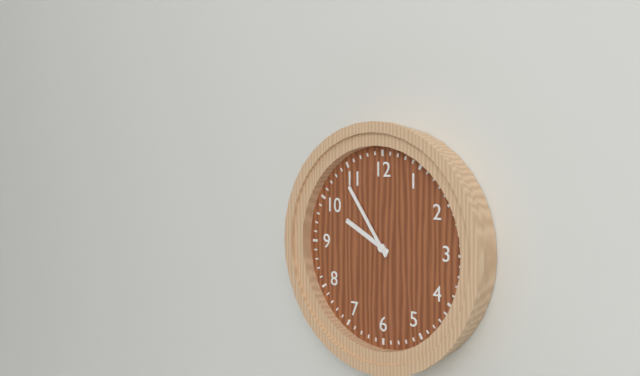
**9:54**
